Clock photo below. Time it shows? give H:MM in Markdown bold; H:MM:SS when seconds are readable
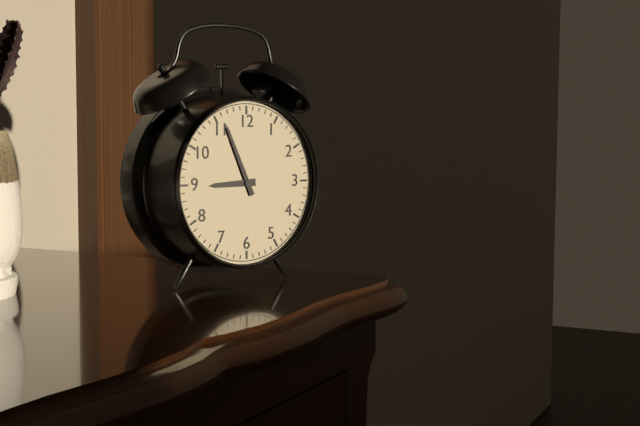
**8:56**
